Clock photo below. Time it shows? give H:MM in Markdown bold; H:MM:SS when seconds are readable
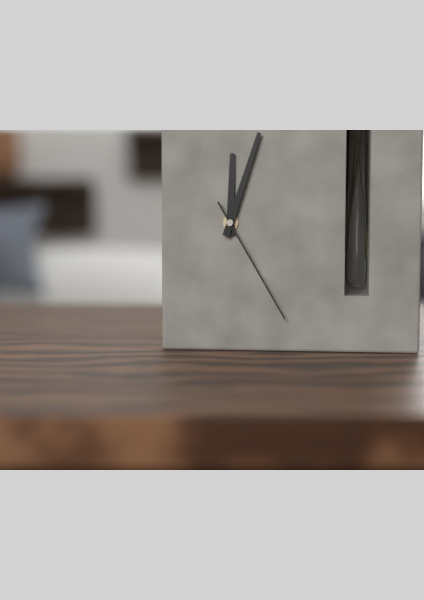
**12:03:25**
